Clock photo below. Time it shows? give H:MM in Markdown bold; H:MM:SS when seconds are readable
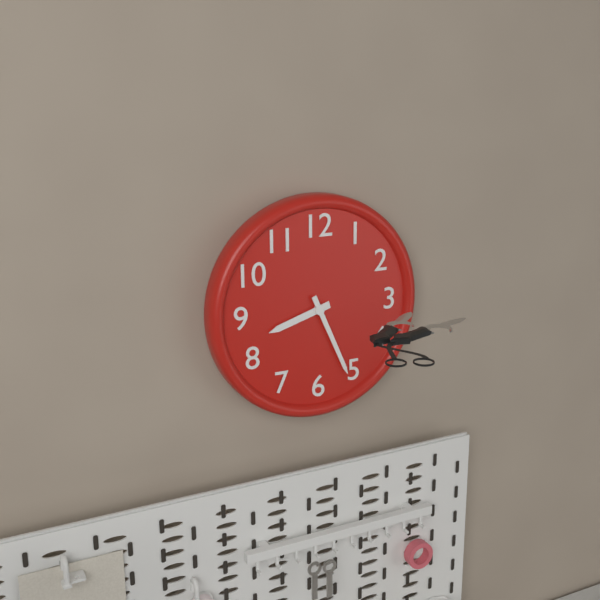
**8:26**
